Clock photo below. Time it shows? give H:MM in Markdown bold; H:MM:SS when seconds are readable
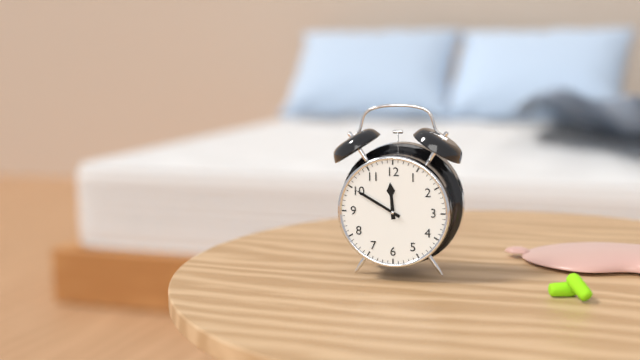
**11:50**
